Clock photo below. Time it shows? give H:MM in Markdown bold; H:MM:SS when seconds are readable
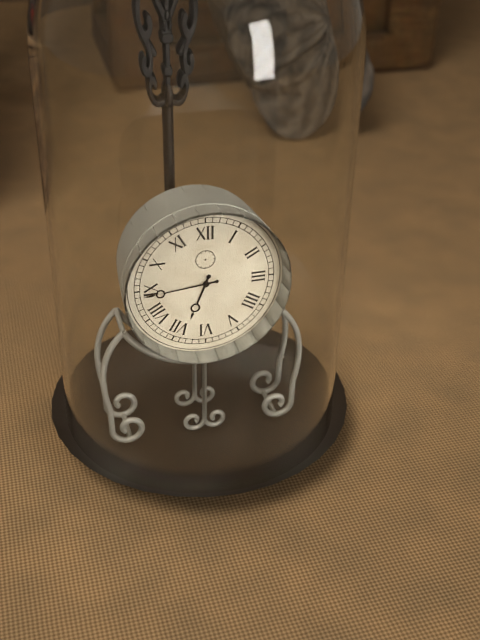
**6:44**
